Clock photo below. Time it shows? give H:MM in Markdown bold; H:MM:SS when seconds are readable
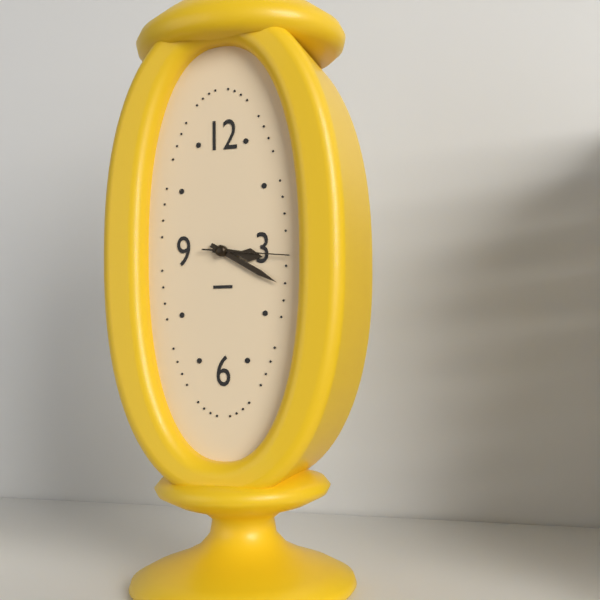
**3:20:16**
